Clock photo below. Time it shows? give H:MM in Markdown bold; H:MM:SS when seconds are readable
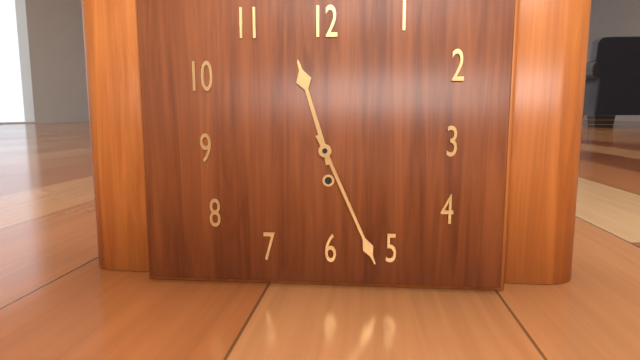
**11:26**
